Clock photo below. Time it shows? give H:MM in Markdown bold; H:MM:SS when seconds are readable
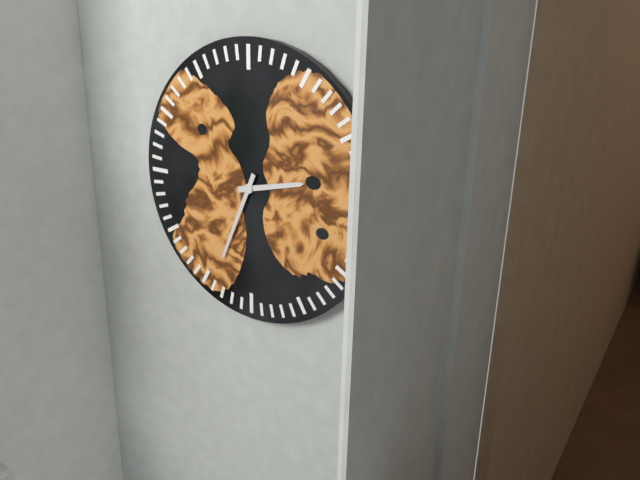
**2:34**
